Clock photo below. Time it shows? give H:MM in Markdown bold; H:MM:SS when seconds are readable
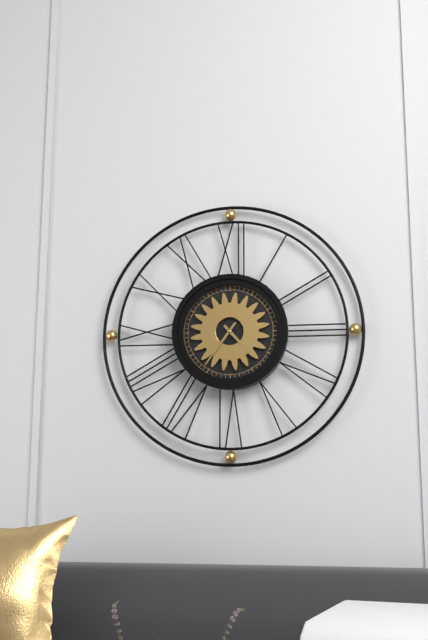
**4:36**
